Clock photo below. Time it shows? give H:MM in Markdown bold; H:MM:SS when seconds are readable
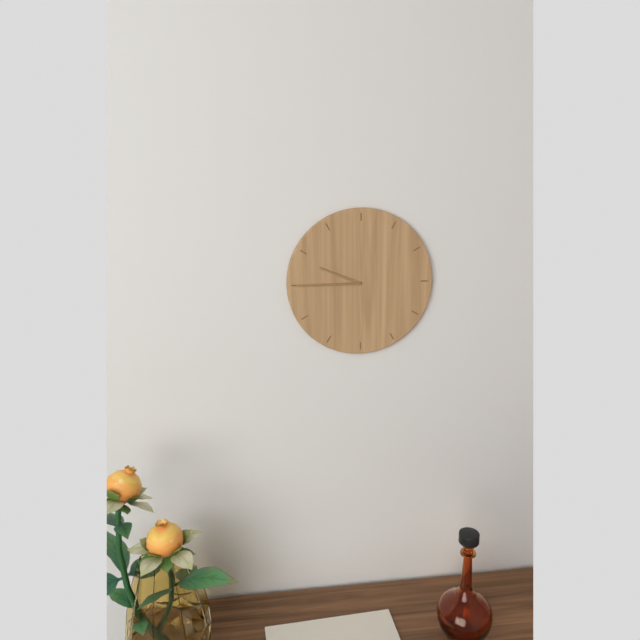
**9:45**
